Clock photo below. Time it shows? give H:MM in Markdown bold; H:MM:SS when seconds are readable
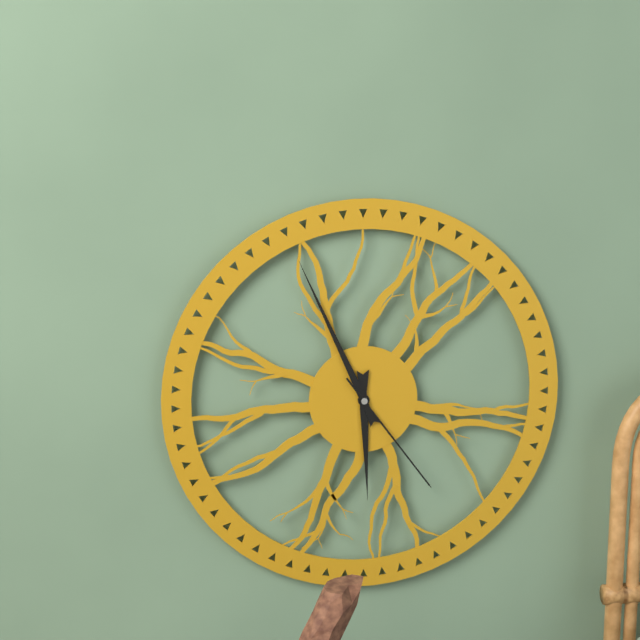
**5:56:24**
